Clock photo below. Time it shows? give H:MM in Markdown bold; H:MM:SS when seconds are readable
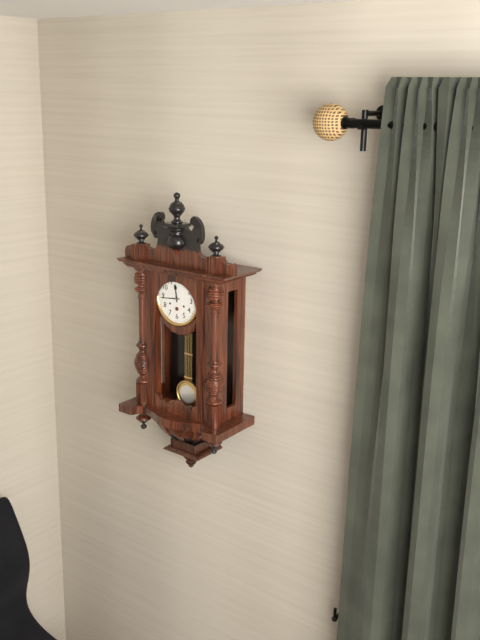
**11:44**
